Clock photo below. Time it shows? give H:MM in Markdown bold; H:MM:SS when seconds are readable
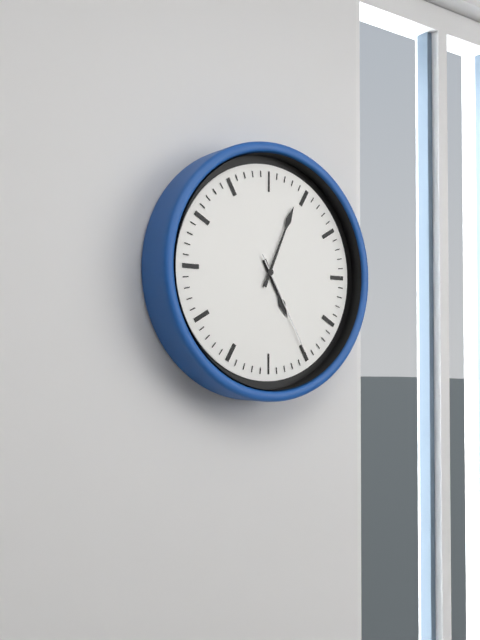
**5:04:25**
